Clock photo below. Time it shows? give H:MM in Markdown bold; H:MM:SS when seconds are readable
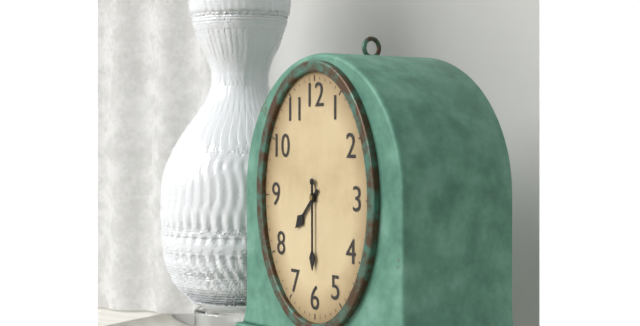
**7:30**
